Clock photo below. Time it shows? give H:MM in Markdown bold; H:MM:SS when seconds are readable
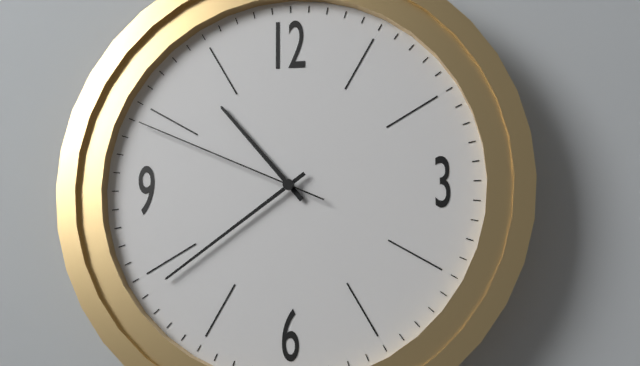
**10:39:49**
